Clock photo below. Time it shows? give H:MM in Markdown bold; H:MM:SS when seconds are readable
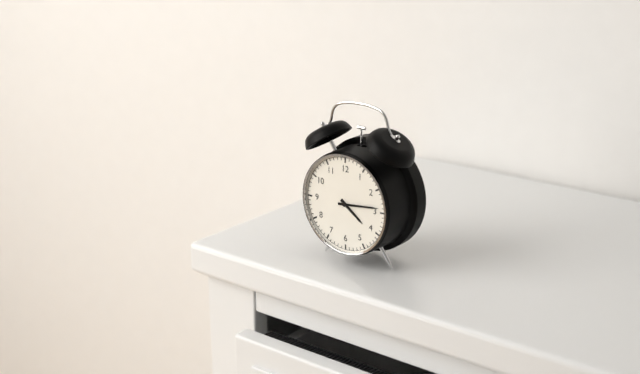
**4:14**
